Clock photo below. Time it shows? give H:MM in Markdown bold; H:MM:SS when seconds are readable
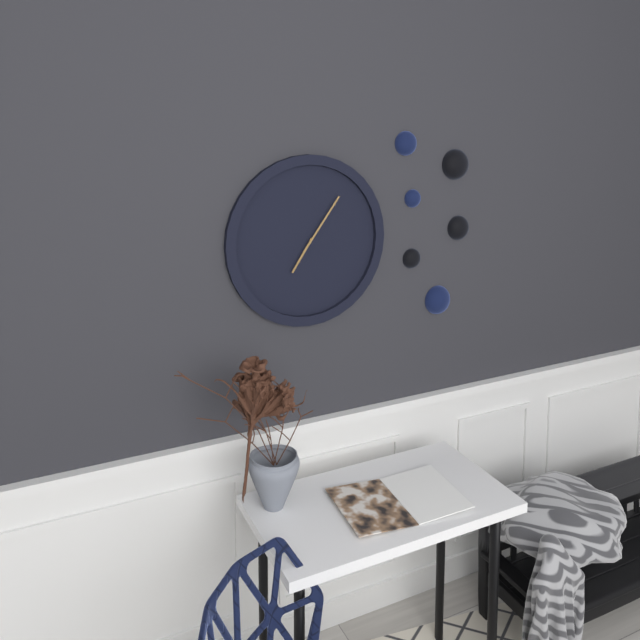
**7:06**
